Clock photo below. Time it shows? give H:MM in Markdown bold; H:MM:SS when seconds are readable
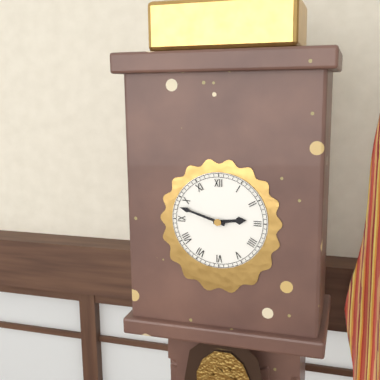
**2:48**
